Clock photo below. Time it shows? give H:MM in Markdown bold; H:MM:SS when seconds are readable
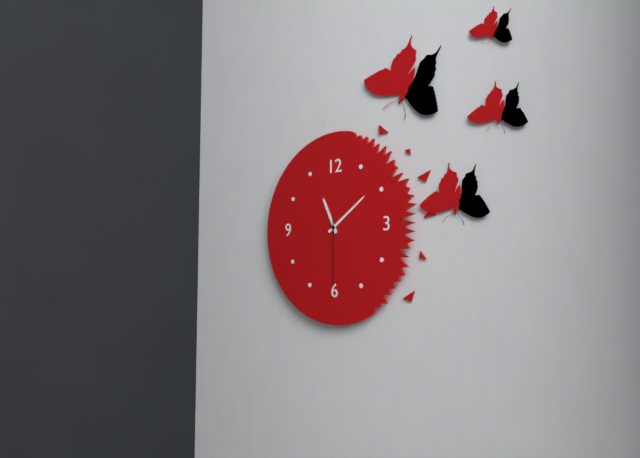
**11:09:30**
